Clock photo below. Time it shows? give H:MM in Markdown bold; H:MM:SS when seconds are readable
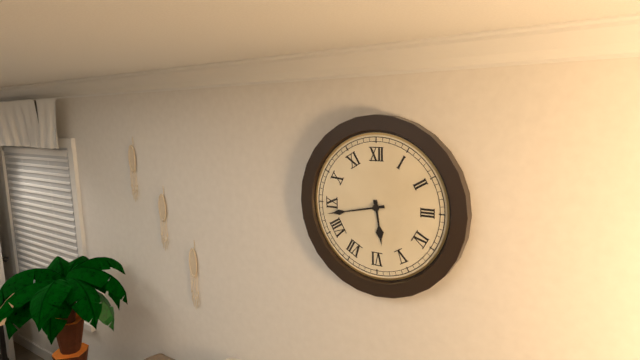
**5:43**
